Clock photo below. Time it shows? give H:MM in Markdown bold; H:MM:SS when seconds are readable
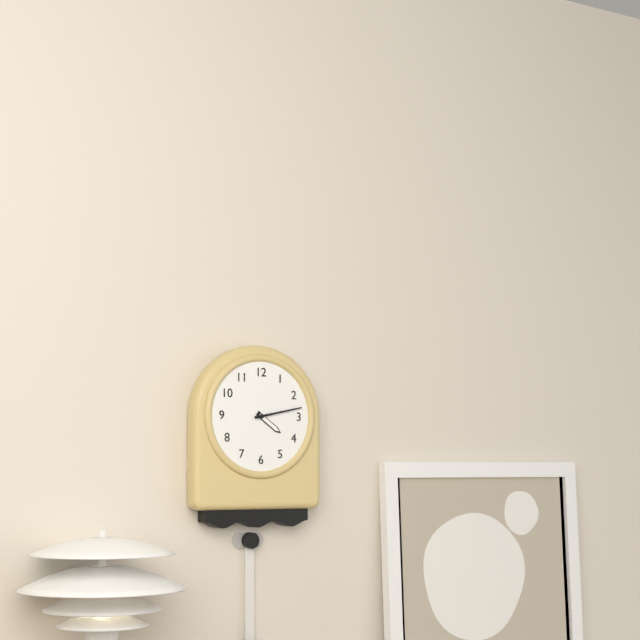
**4:13**
